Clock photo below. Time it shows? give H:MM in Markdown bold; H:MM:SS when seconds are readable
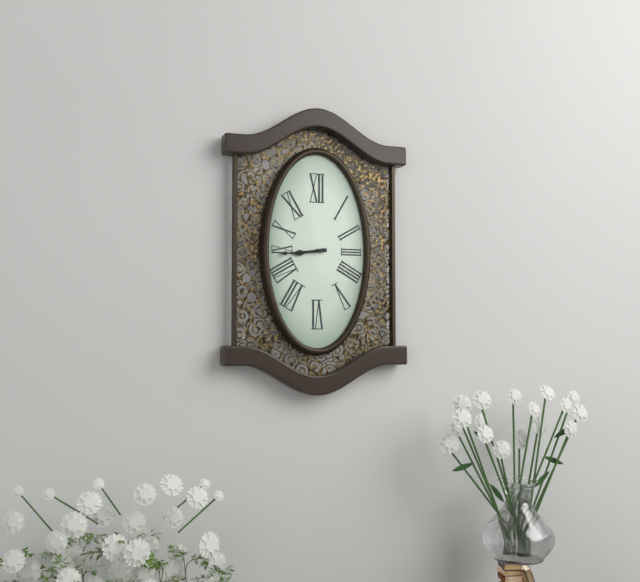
**8:44**
